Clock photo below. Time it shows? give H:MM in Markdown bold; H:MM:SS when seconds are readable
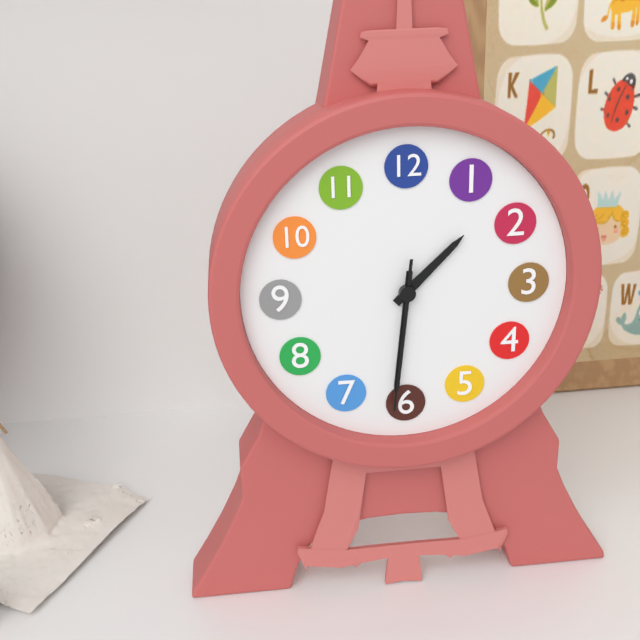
**1:31:31**
